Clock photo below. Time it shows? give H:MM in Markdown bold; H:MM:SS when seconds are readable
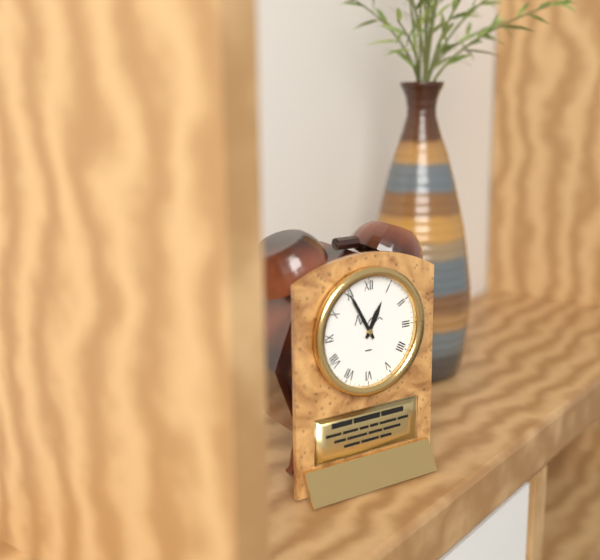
**12:55**
